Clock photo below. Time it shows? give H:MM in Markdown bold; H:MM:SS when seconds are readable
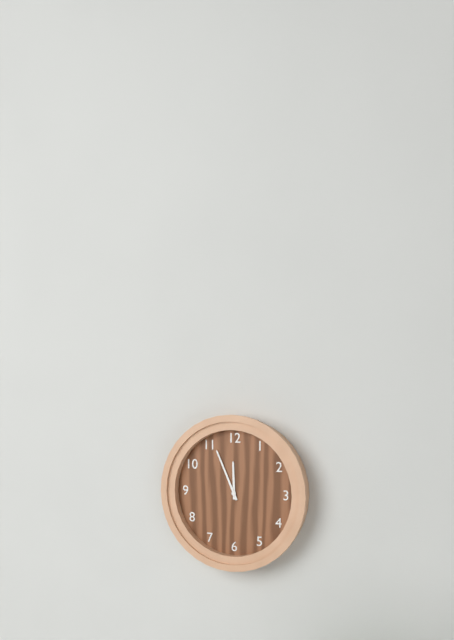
**11:56**
